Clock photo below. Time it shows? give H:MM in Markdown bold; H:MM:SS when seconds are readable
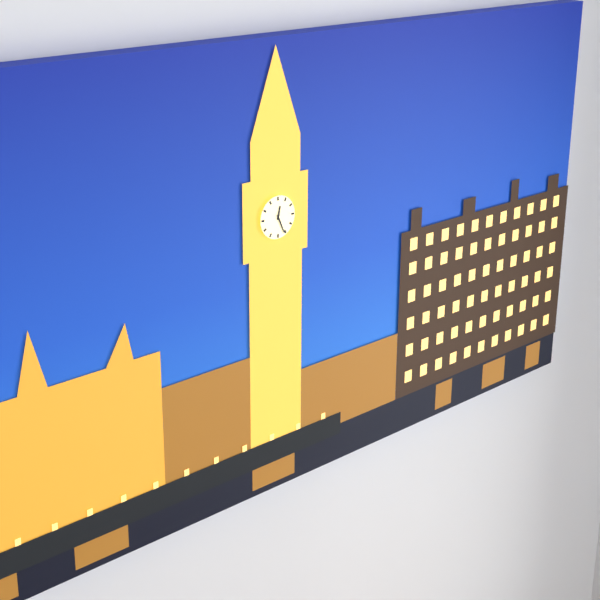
**12:26**
